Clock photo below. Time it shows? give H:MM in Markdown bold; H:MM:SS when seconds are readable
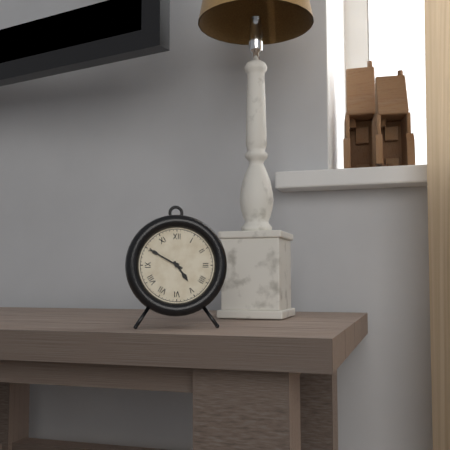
**4:50**
